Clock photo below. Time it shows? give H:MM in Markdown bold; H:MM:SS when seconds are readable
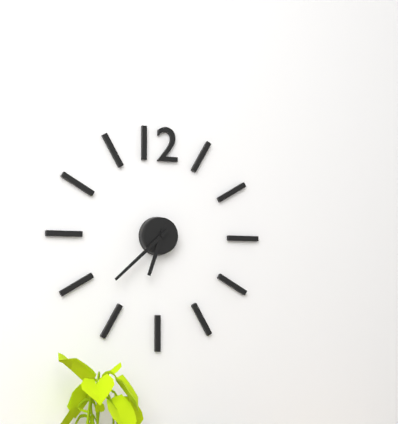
**6:38**
